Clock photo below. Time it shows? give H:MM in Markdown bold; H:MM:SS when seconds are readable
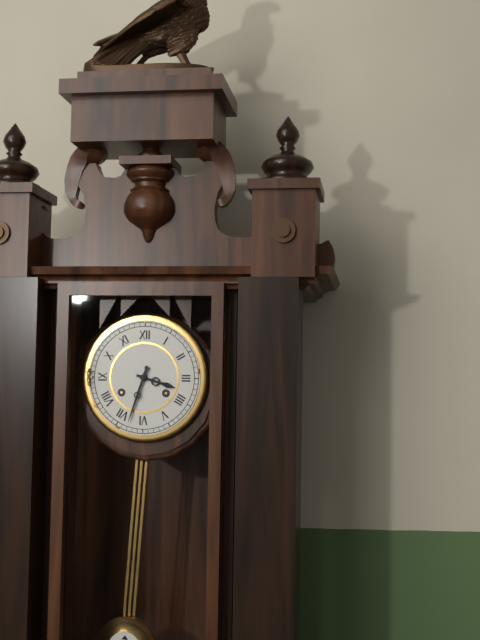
**3:33**
